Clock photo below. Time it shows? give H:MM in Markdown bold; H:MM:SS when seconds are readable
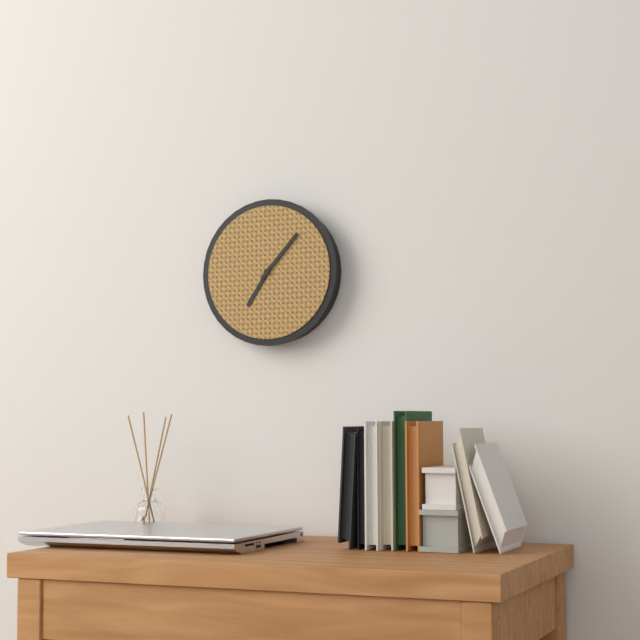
**7:07**
